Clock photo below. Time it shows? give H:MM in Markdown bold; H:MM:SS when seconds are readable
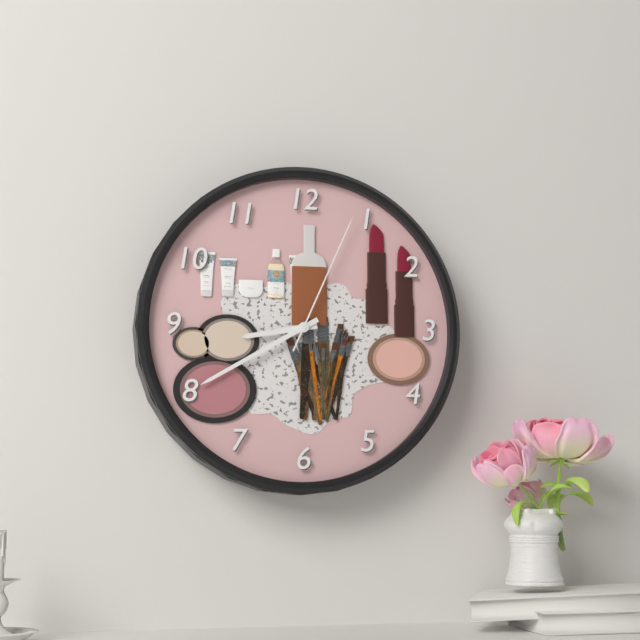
**8:40:04**
